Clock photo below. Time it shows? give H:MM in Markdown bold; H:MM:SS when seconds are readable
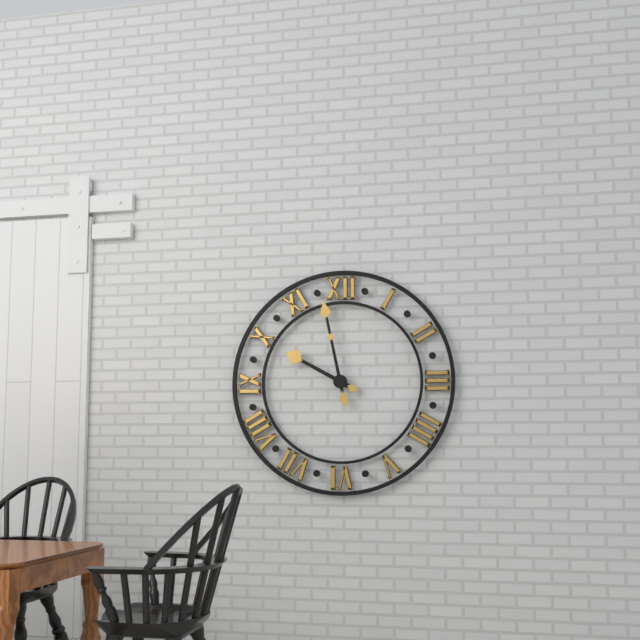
**9:58**
